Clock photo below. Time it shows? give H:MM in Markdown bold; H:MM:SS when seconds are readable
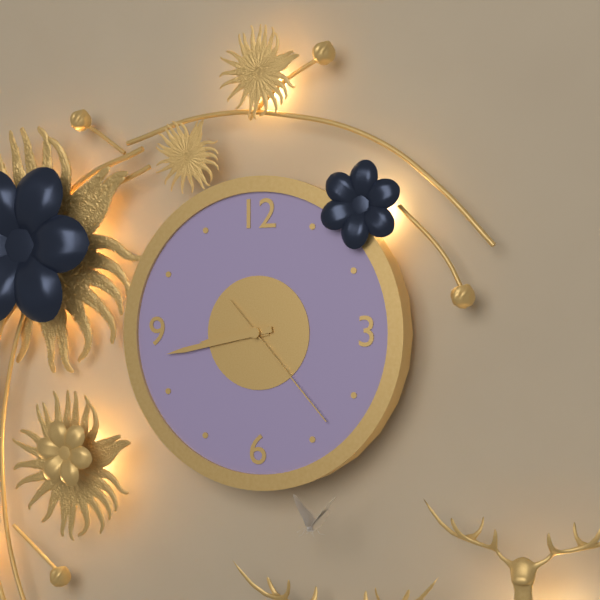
**8:43:23**
